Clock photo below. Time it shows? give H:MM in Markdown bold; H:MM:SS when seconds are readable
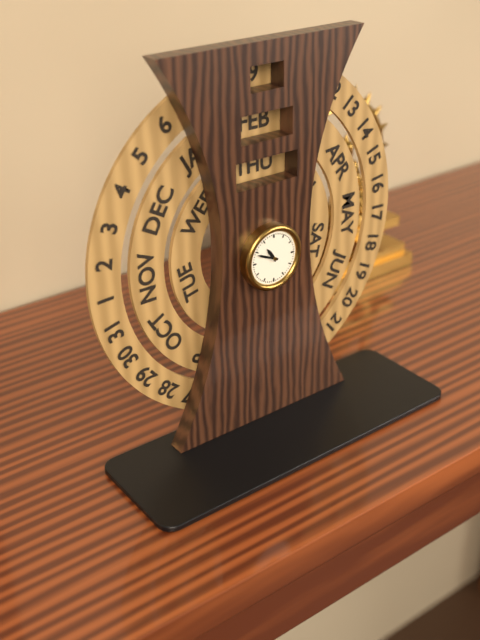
**10:49**
